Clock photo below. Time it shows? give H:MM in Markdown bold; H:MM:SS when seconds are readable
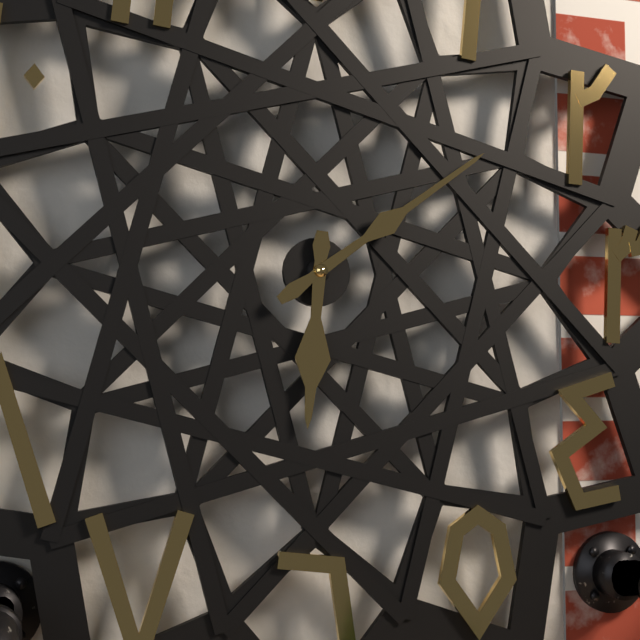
**6:09**
